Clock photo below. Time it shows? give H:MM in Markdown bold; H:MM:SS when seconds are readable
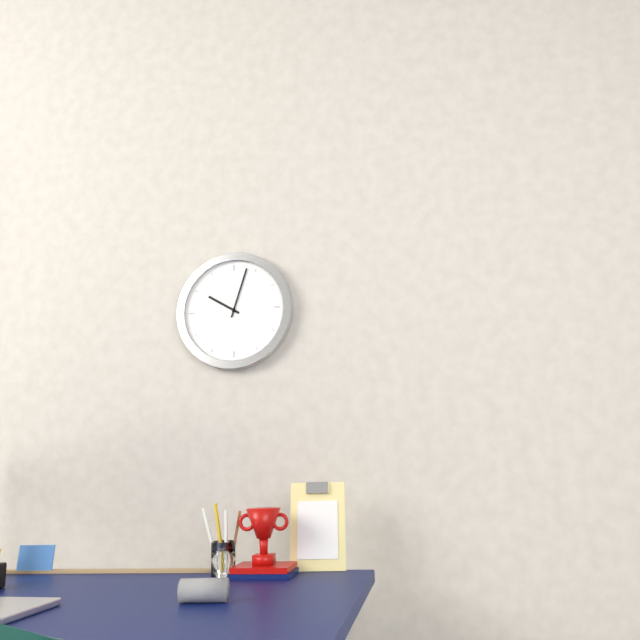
**10:03**
